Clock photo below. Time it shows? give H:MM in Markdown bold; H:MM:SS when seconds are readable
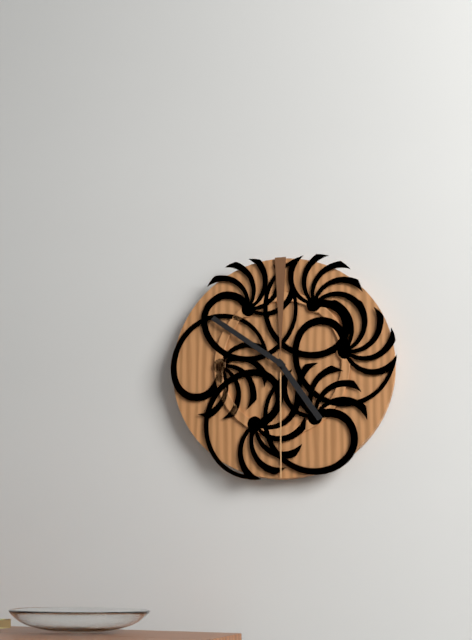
**4:51**
